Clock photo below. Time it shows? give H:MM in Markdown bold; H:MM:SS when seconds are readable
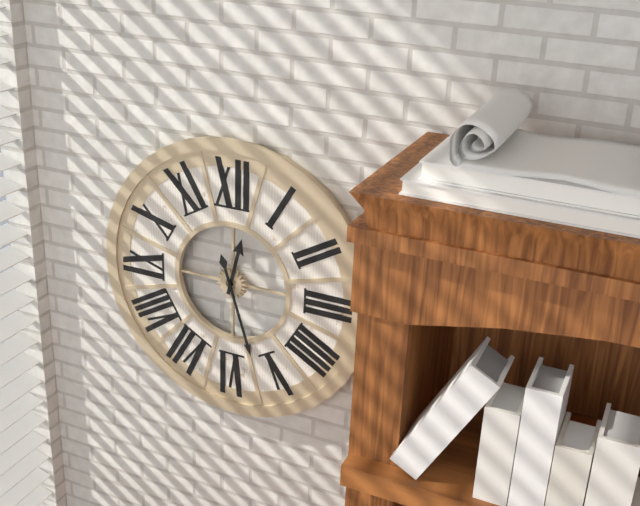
**12:27**
